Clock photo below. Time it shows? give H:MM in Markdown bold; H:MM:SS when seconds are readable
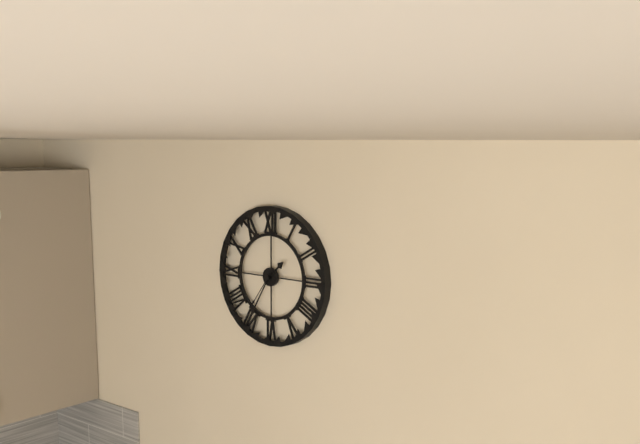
**1:35**
